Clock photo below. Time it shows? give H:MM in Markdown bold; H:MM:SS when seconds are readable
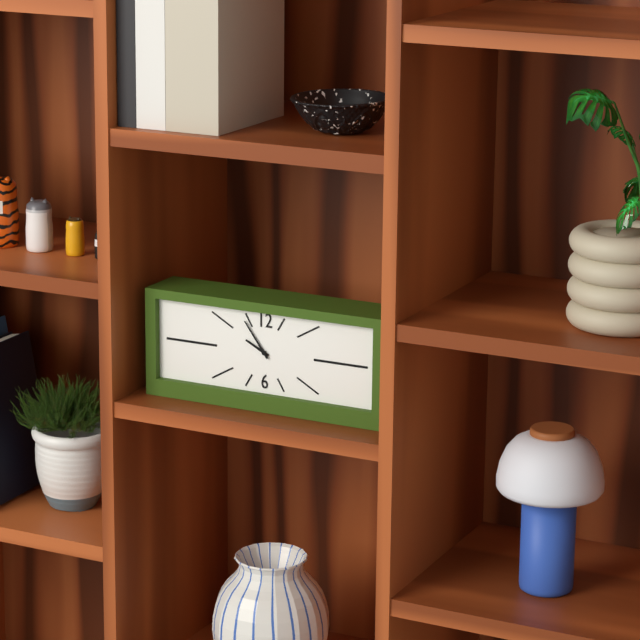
**9:54**
